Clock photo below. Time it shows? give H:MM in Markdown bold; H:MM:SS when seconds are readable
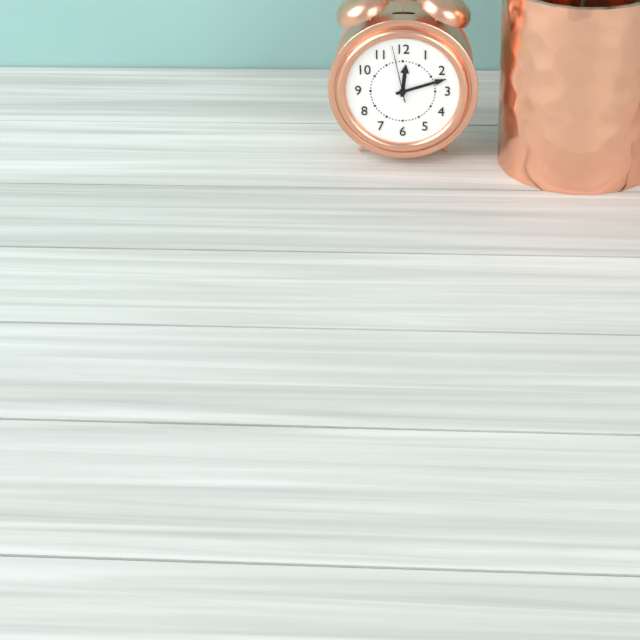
**12:12:58**
